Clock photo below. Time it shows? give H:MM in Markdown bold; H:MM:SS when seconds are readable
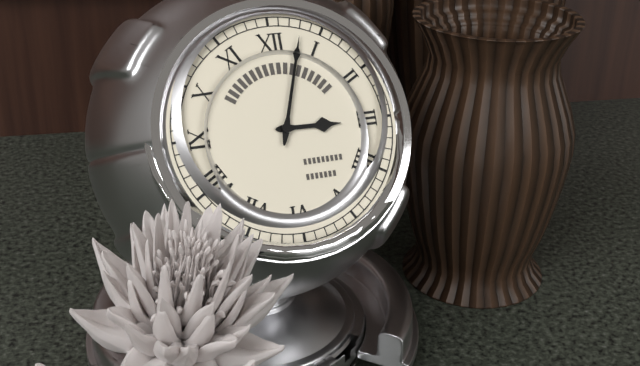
**3:03**
